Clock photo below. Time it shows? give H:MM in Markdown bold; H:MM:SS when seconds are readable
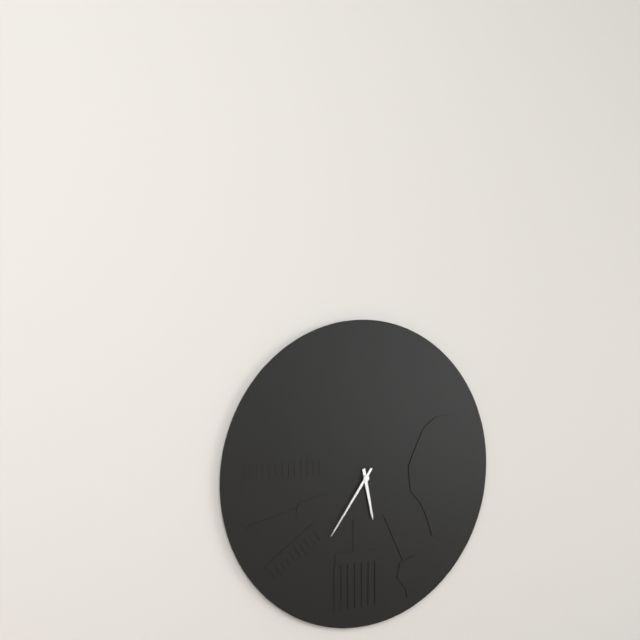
**5:36**
